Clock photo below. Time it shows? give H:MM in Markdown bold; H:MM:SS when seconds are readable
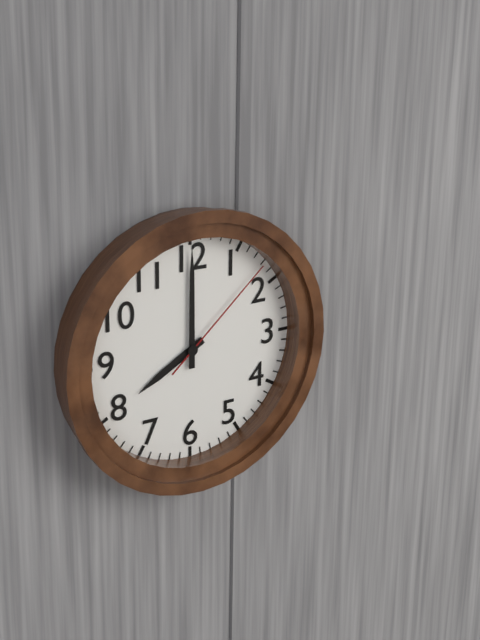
**8:00:08**
